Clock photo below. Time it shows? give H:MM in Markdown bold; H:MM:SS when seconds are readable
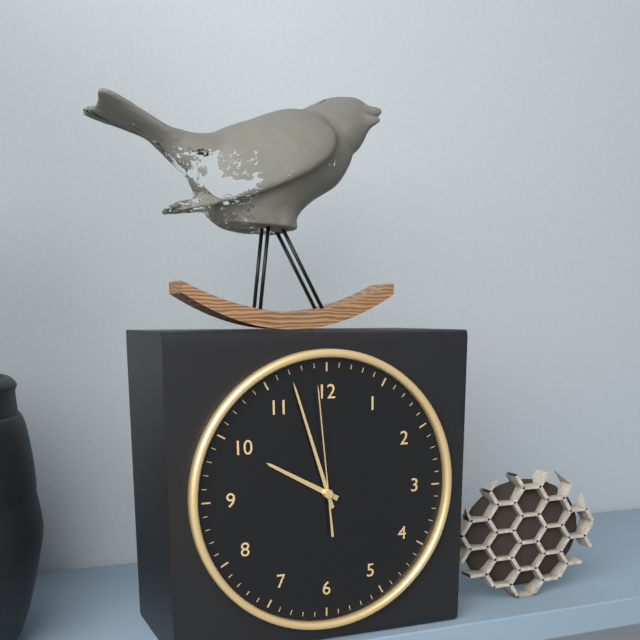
**9:57:59**
